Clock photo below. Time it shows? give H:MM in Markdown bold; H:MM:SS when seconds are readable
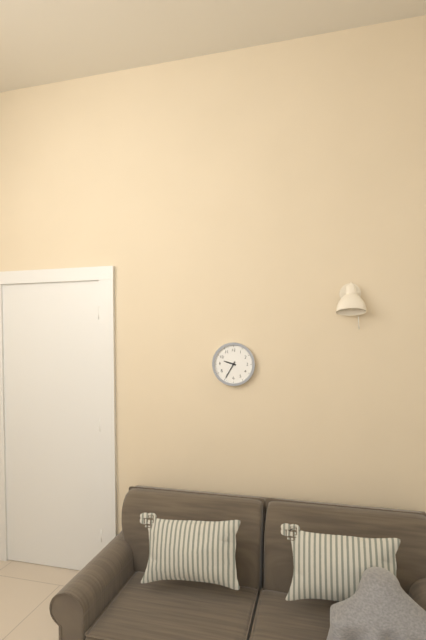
**9:35**
